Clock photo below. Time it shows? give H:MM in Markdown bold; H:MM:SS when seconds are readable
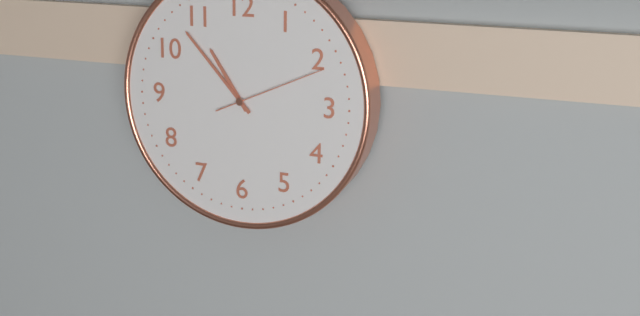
**10:53:11**
